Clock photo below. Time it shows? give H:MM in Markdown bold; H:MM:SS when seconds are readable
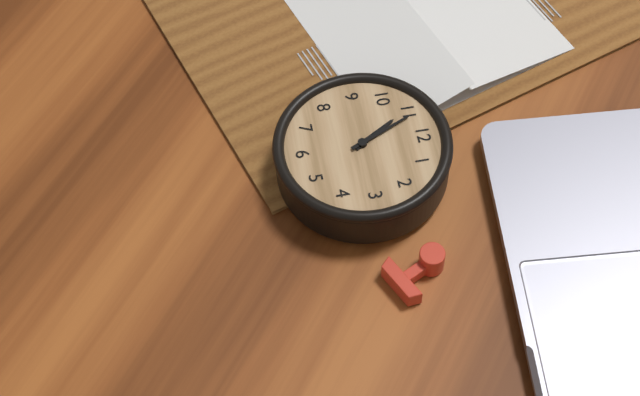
**10:56**
